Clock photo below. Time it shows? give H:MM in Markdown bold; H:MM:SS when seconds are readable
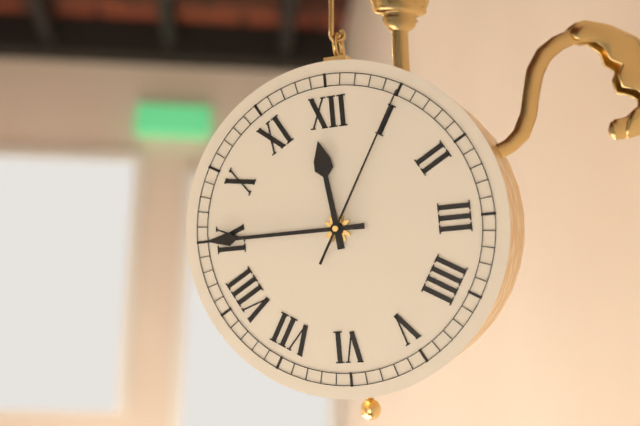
**11:45:05**
